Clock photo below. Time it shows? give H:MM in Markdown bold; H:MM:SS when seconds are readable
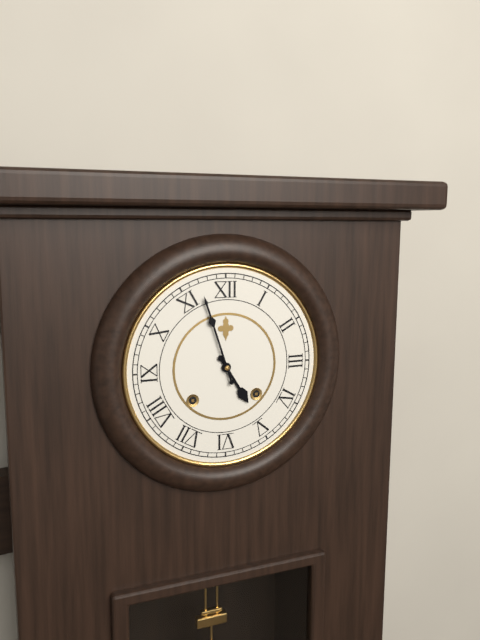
**4:57**
